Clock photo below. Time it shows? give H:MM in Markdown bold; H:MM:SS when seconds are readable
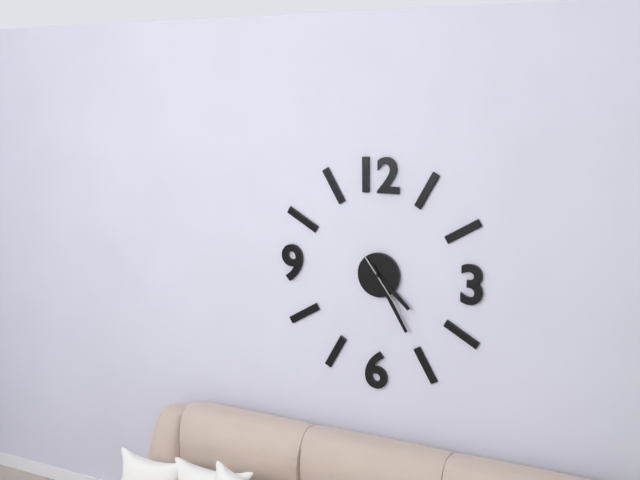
**4:25:24**
